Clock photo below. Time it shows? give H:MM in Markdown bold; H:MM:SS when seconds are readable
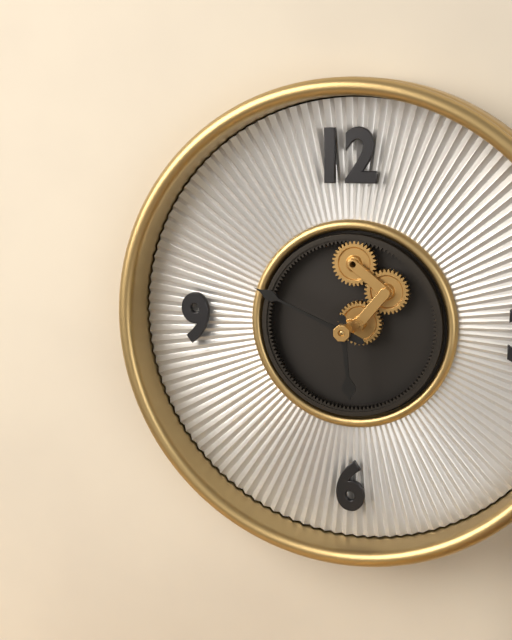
**5:49**
